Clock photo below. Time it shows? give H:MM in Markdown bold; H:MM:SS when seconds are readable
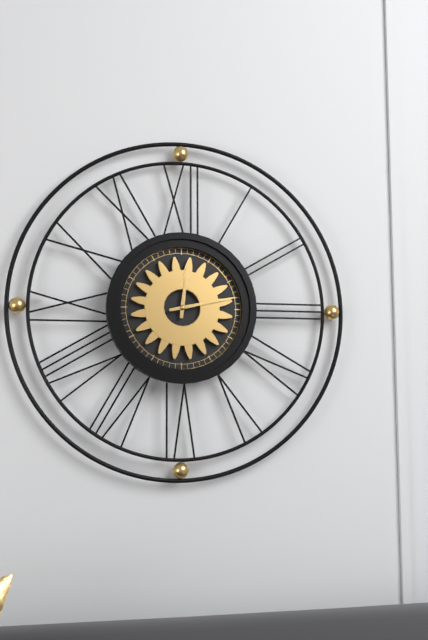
**12:13**
